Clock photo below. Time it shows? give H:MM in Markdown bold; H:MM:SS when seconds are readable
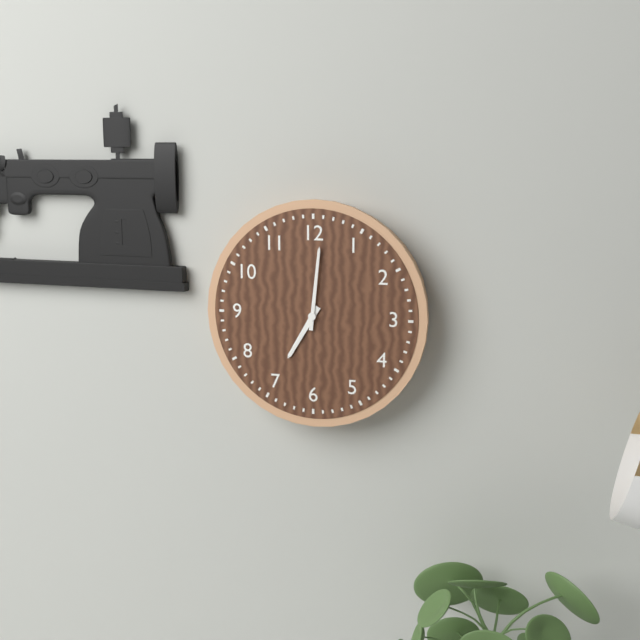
**7:01**
